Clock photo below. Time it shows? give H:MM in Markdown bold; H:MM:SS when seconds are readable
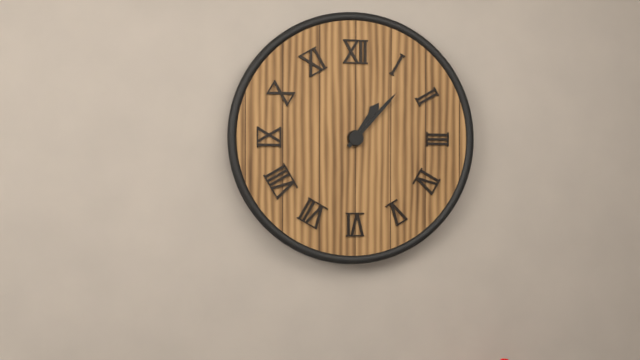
**1:07**
